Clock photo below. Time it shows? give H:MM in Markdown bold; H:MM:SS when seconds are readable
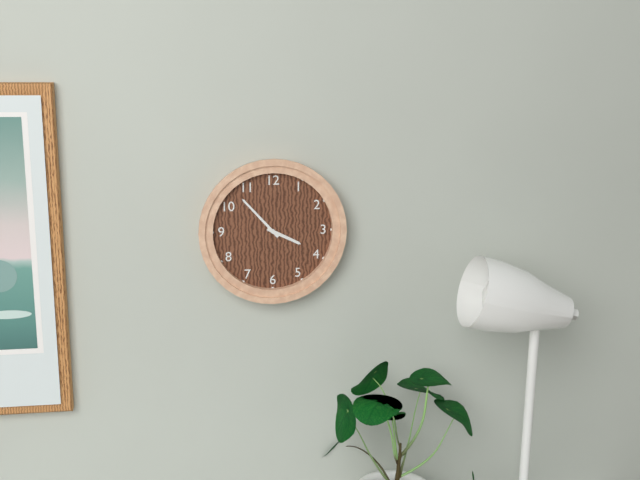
**3:53**
